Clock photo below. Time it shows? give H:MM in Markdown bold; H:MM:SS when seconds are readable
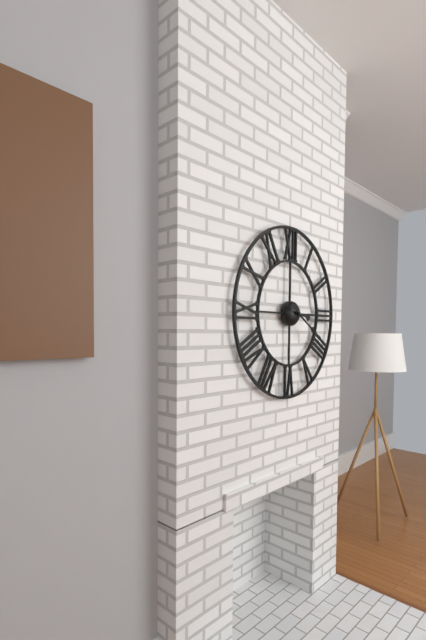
**3:20:20**
